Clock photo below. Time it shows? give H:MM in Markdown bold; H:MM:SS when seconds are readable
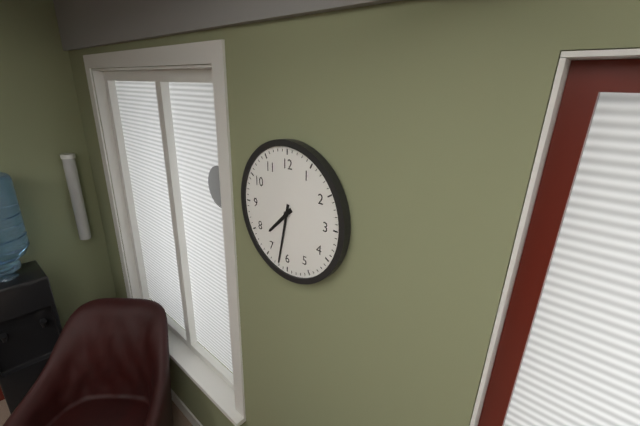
**7:32**
